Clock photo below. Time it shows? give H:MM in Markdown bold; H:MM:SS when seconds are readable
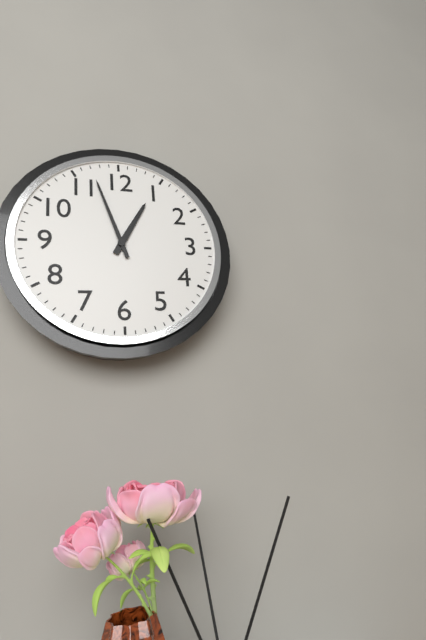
**12:57**
